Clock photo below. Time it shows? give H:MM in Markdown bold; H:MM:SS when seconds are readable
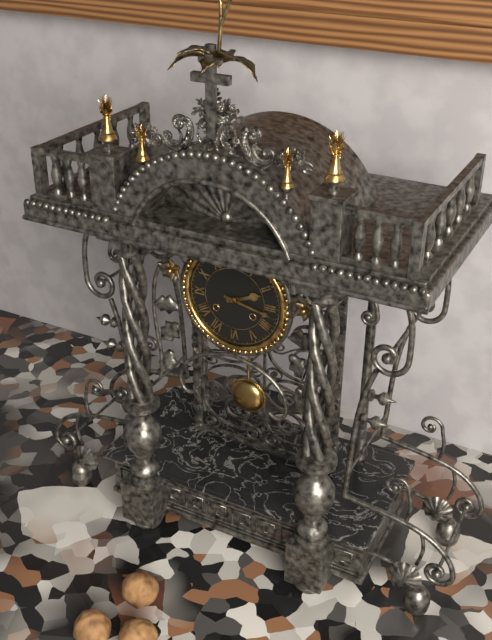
**2:17**
